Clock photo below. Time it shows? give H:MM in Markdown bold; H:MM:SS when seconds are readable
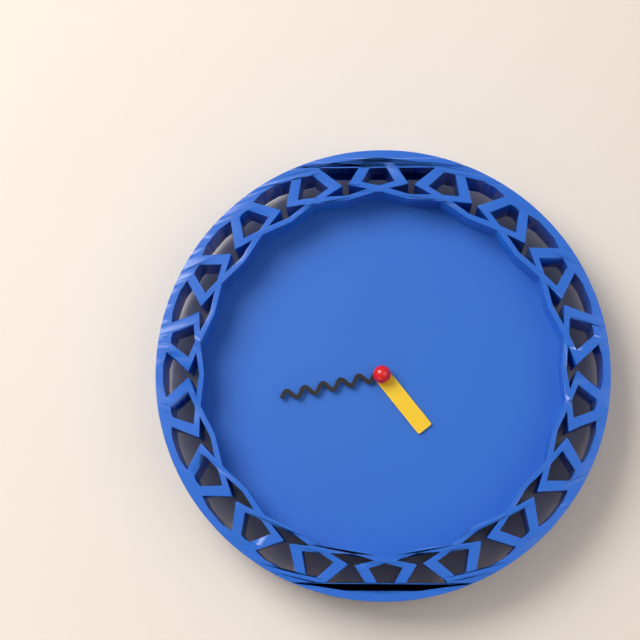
**4:43**
